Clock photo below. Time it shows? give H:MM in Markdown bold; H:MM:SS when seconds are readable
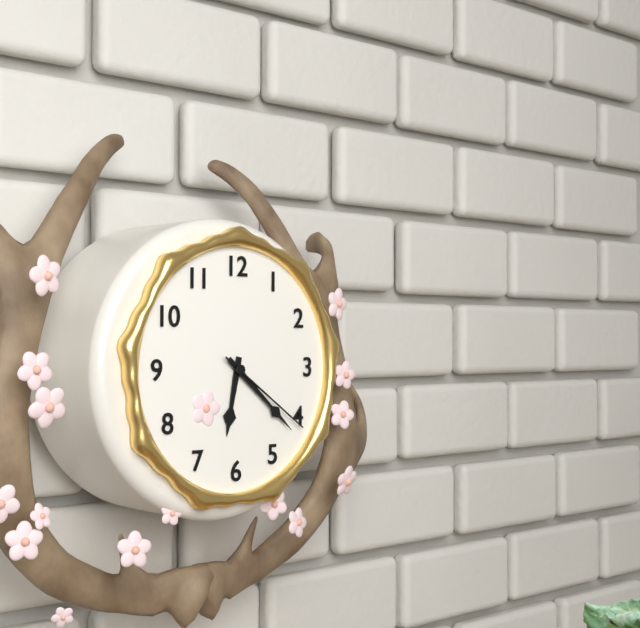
**6:22:21**
